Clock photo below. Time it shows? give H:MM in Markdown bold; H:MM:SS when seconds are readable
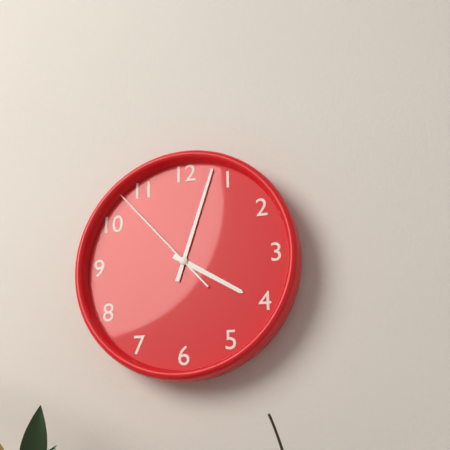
**4:03:53**
